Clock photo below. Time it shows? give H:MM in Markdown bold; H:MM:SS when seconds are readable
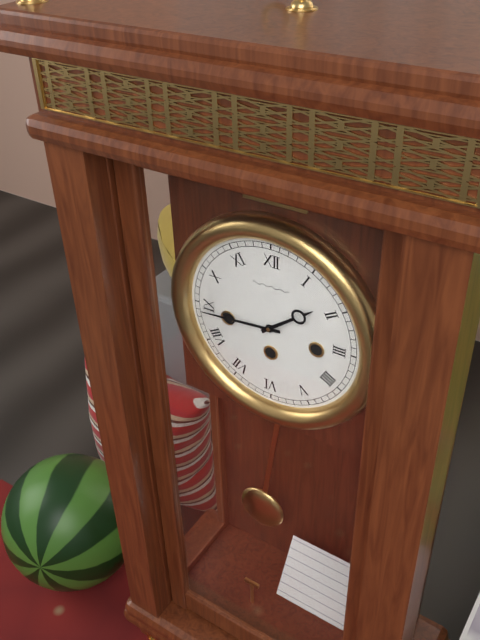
**1:44**
